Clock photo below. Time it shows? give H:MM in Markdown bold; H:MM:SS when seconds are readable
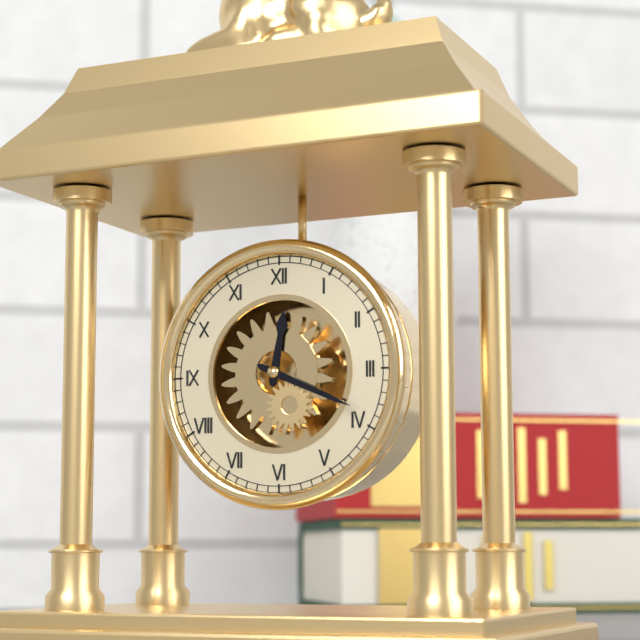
**12:19**
